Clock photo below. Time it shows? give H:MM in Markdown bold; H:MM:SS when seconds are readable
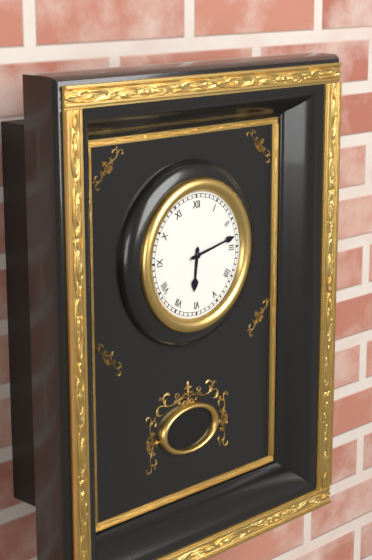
**6:13**
